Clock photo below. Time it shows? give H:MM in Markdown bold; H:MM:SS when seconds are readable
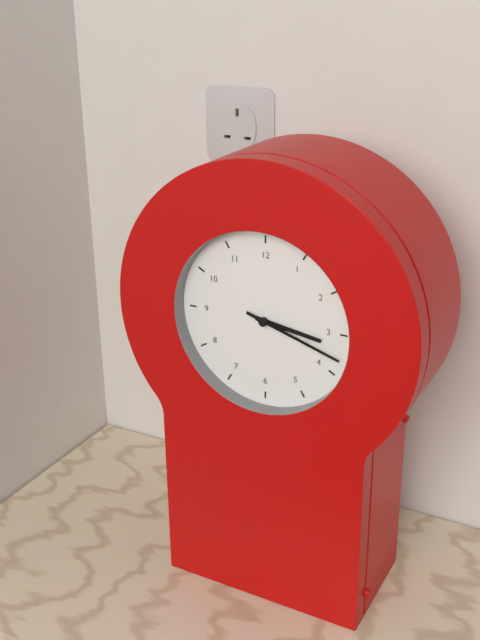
**3:18**
